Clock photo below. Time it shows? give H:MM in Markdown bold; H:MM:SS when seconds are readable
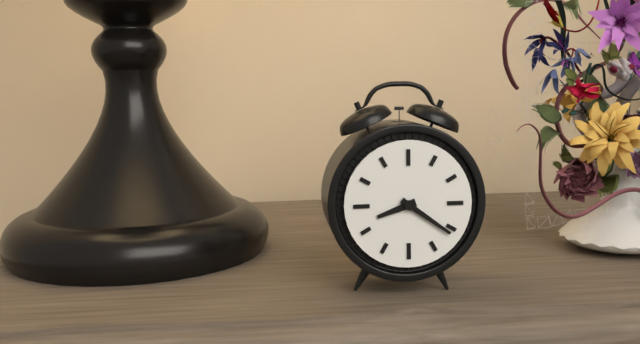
**8:21**
